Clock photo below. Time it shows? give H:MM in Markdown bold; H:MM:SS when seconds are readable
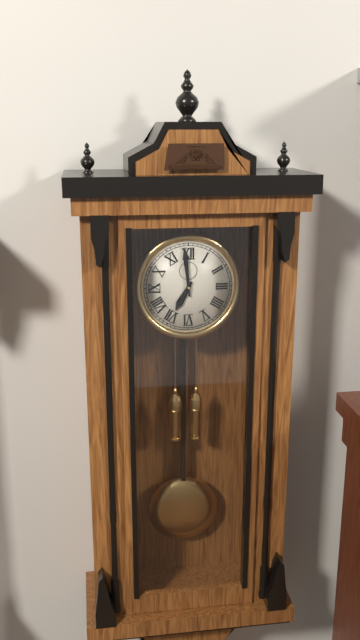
**6:59**
